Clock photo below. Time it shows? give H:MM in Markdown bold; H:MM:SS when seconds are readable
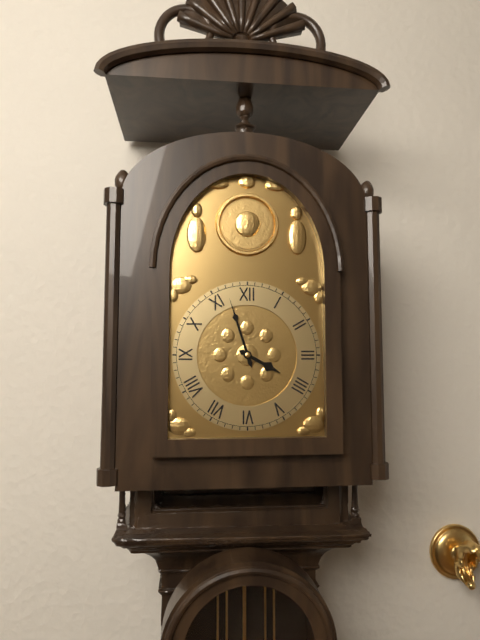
**3:57**
